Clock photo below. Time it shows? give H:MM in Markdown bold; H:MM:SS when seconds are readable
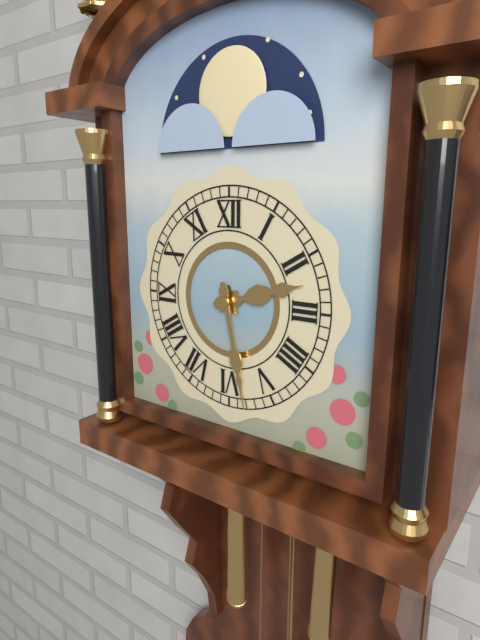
**2:28**
